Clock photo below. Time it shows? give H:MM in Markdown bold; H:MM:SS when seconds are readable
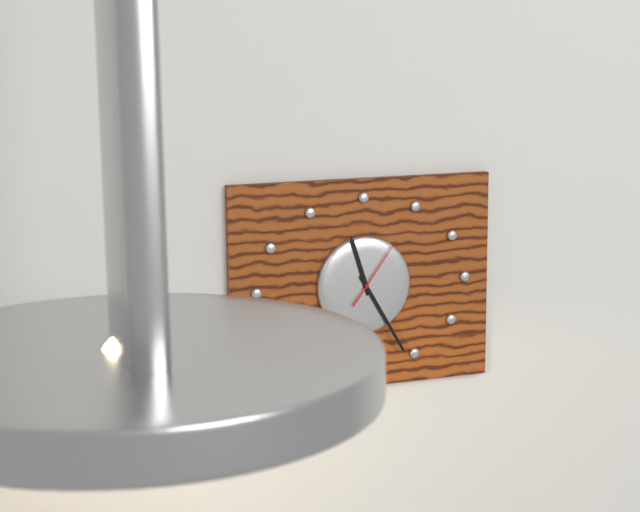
**11:25:06**
